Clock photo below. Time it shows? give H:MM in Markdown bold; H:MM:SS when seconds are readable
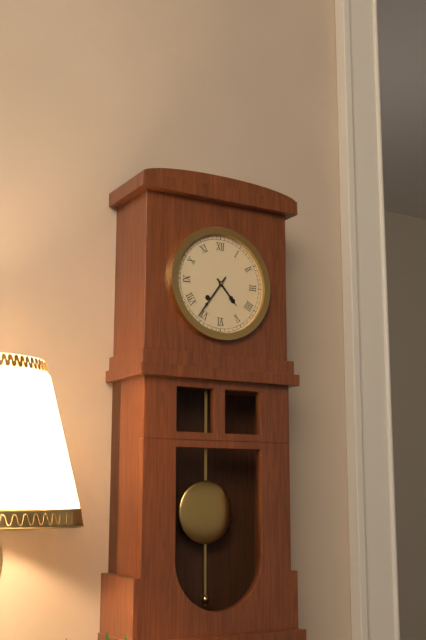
**4:36**
